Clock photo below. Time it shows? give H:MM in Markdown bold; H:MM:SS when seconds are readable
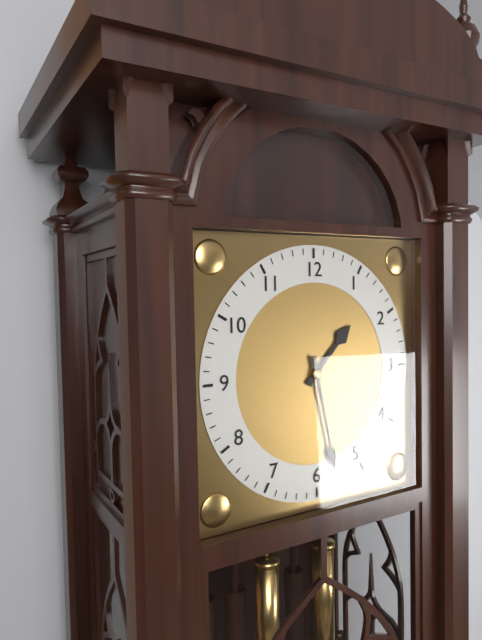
**1:28**
